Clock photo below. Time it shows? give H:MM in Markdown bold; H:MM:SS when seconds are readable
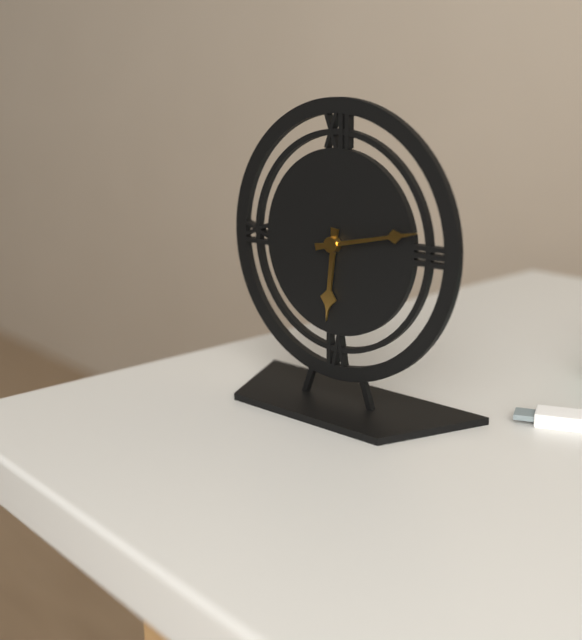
**6:13**
